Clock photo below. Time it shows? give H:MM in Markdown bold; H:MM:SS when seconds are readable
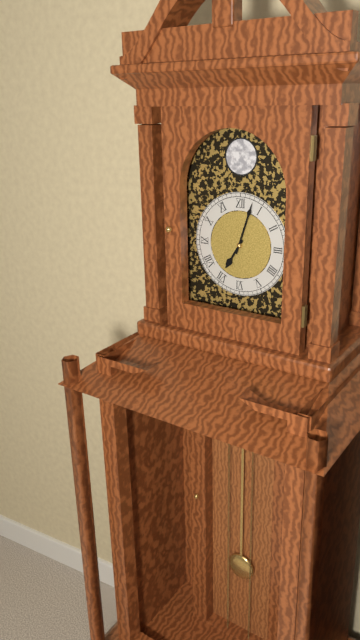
**7:03**
